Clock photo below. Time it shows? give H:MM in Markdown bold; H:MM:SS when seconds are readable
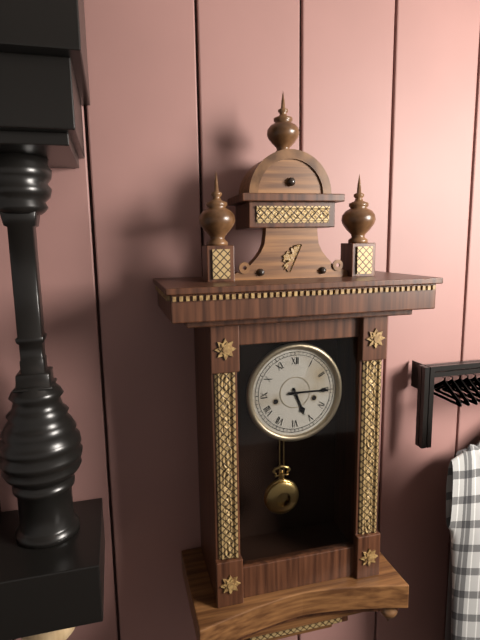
**5:15**
